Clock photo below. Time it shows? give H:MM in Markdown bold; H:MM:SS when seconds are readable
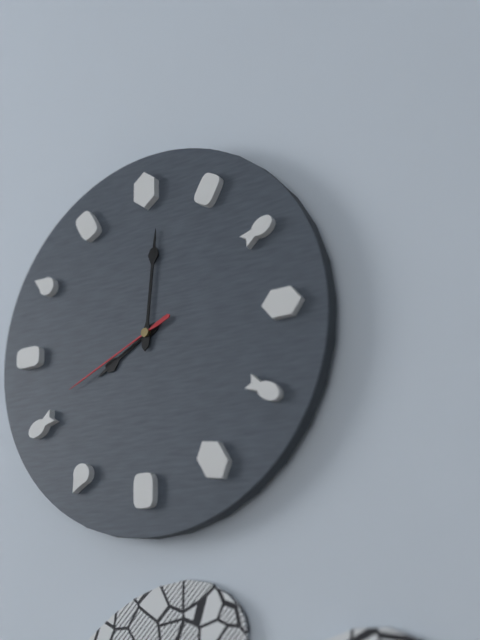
**8:01:41**
